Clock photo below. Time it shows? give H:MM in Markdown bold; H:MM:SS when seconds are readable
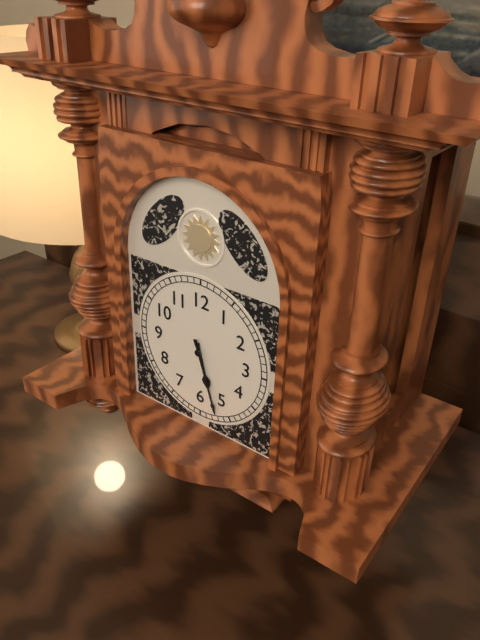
**5:27**
